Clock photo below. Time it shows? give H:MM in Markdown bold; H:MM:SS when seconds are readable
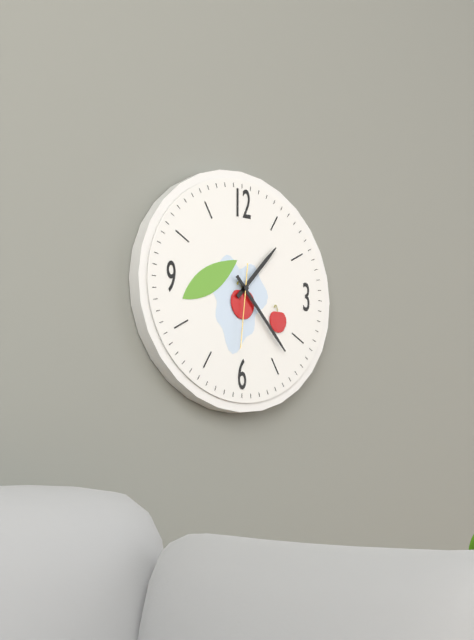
**1:23:31**
